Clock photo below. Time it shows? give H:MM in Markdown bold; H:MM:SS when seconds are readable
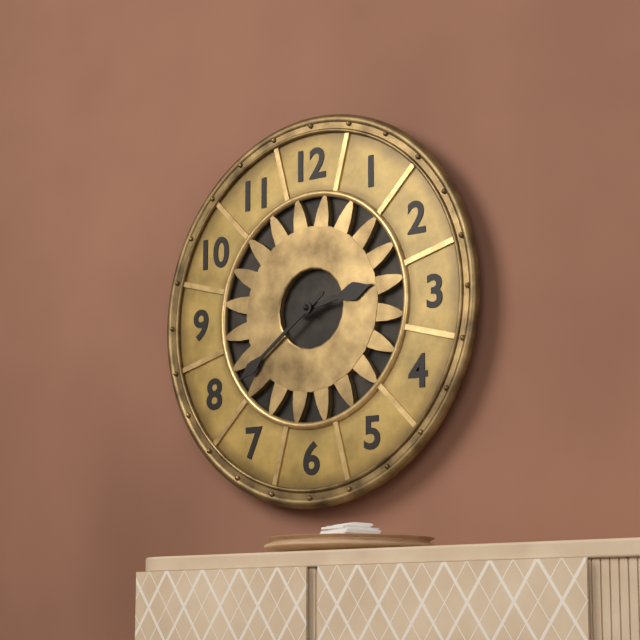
**2:39**
